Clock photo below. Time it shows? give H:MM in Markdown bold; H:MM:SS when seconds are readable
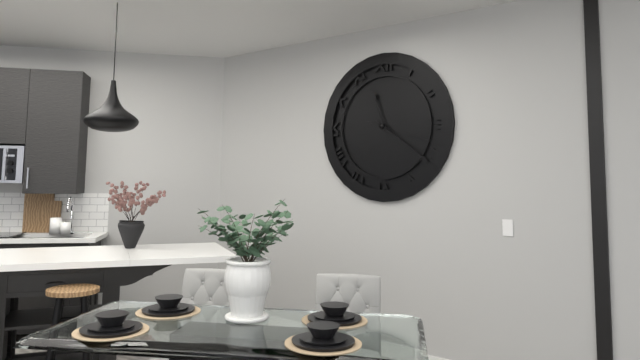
**11:21:18**
